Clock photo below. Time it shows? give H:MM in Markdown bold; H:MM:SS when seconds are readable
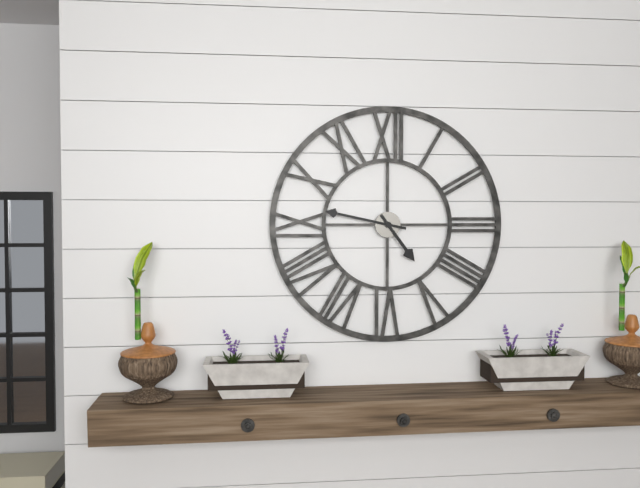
**4:47**
